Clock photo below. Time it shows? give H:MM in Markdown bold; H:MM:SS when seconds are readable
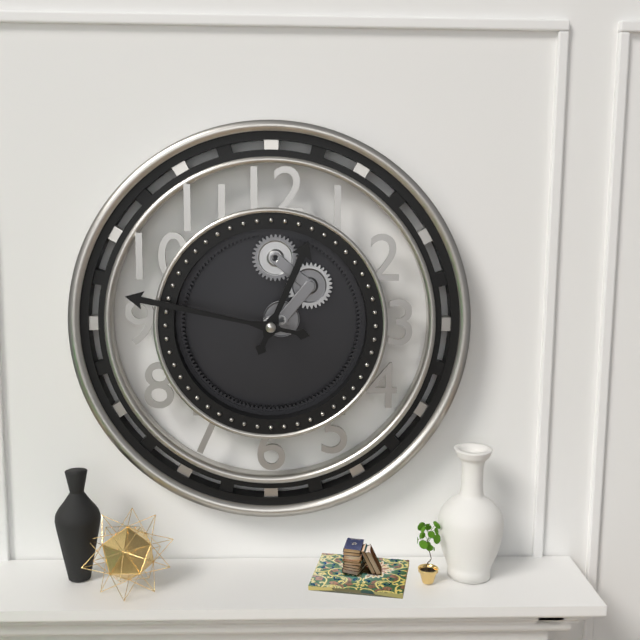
**12:47**
